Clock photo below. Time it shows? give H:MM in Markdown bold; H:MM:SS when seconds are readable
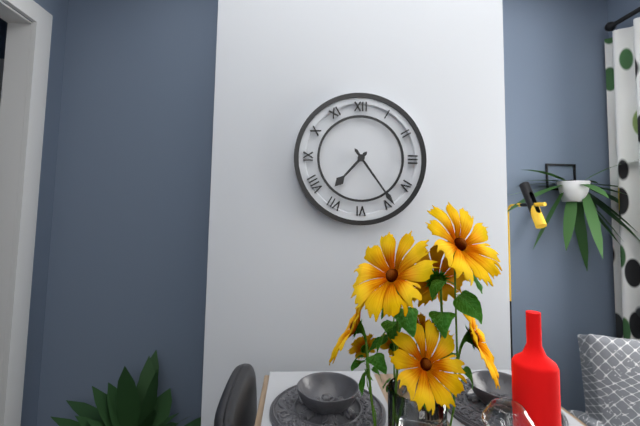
**7:24**
